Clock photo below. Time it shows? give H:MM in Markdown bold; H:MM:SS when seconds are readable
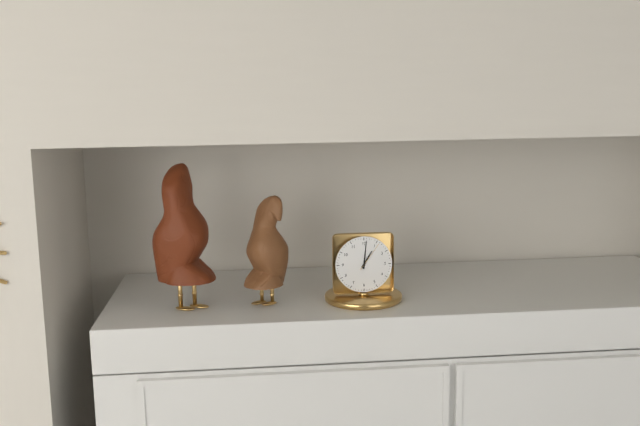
**1:01**
